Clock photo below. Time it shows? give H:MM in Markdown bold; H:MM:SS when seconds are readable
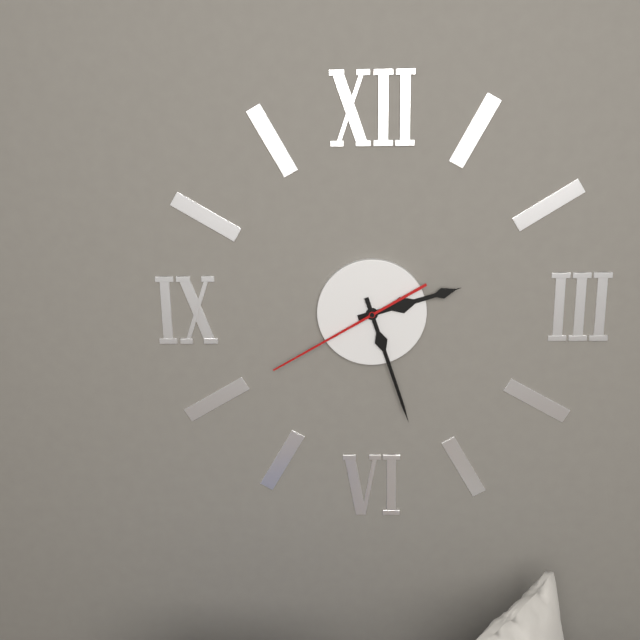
**2:27:40**
